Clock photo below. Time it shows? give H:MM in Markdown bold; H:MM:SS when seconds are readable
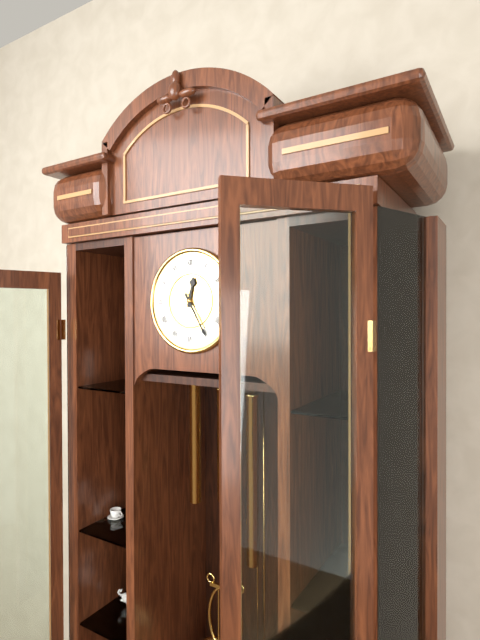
**12:25**
